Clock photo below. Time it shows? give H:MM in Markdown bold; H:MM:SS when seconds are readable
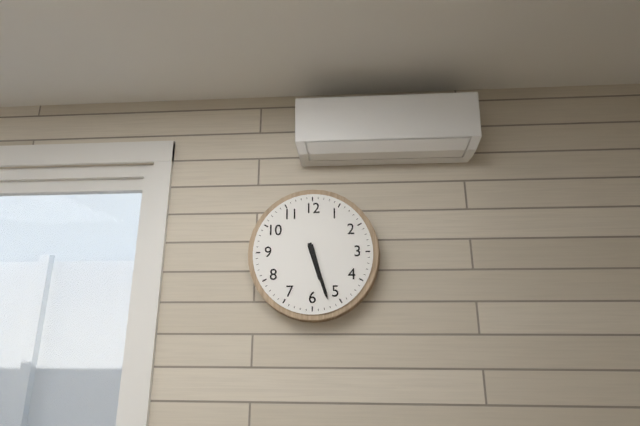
**5:27**
